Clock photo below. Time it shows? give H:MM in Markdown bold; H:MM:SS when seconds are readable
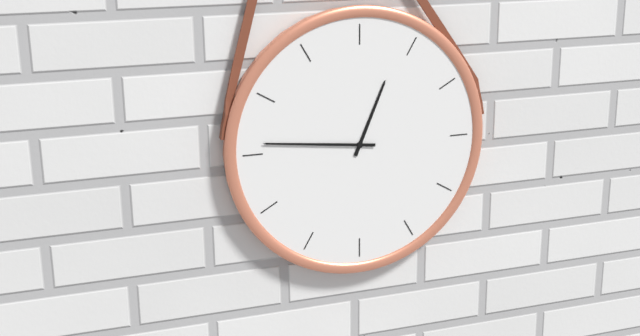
**12:46**
